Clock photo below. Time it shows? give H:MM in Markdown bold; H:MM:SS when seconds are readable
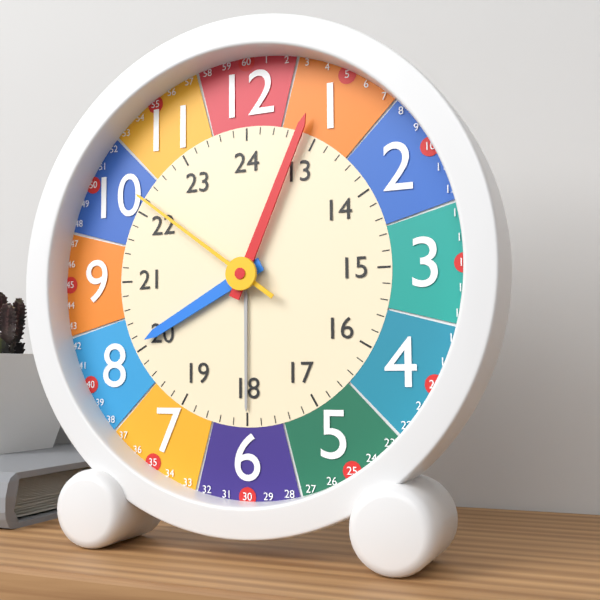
**8:04:51**
